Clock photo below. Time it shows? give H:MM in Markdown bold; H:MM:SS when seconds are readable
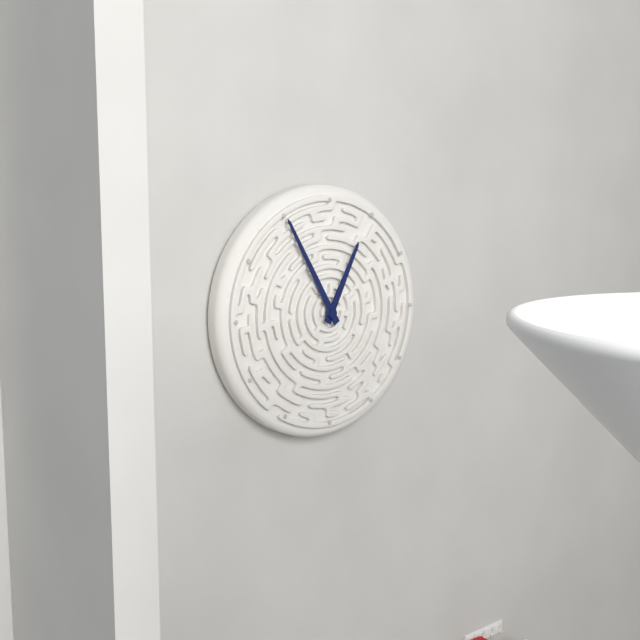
**12:55**
